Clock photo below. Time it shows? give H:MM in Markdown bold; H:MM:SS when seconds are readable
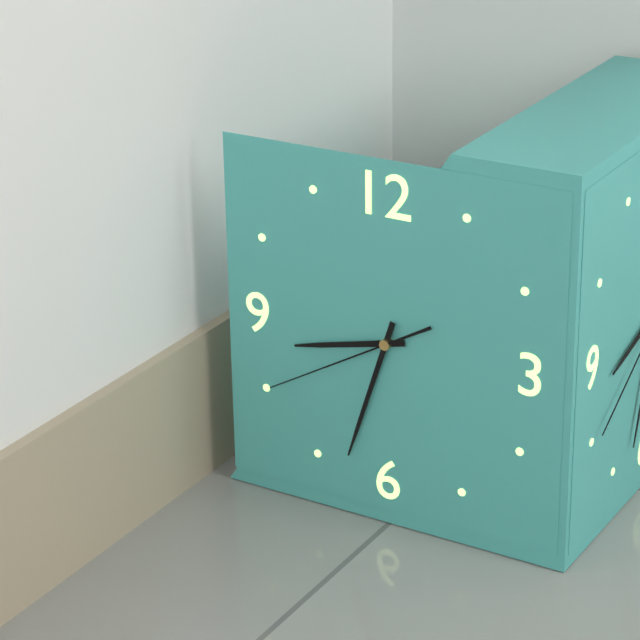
**8:33:40**
